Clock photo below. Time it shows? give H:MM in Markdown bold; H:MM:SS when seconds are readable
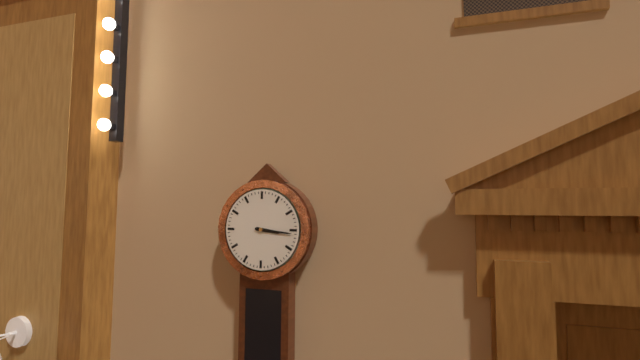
**3:16**
